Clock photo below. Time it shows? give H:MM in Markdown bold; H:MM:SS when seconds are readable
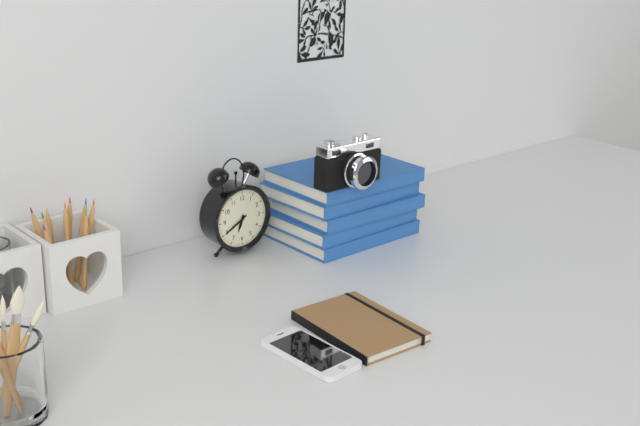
**6:40**
